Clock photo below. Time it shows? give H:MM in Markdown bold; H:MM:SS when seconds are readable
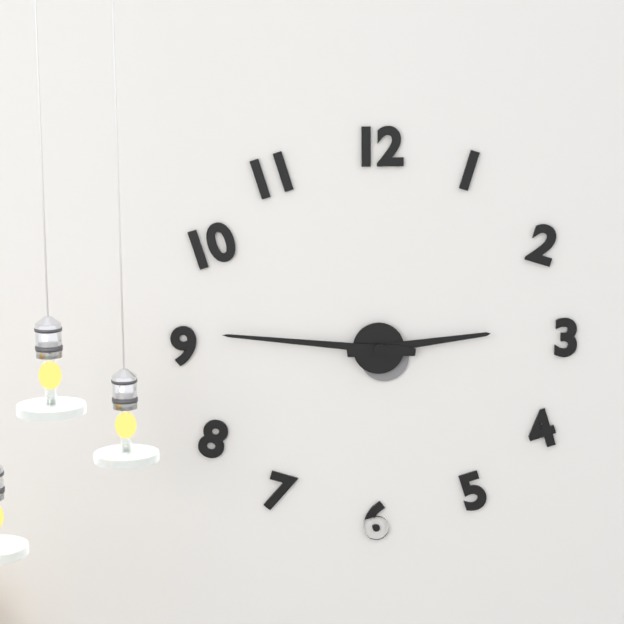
**2:46**
